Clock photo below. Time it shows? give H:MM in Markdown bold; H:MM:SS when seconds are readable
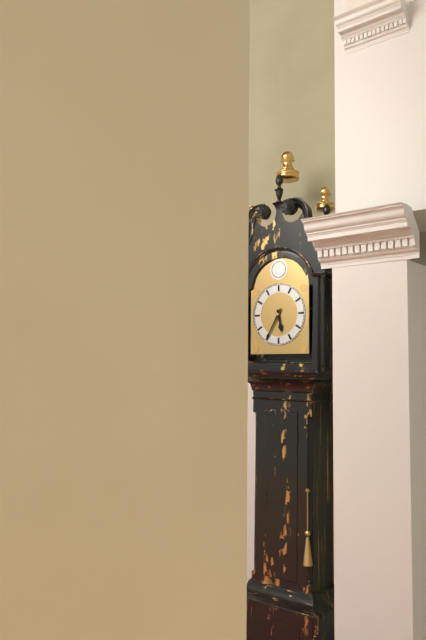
**5:35**
